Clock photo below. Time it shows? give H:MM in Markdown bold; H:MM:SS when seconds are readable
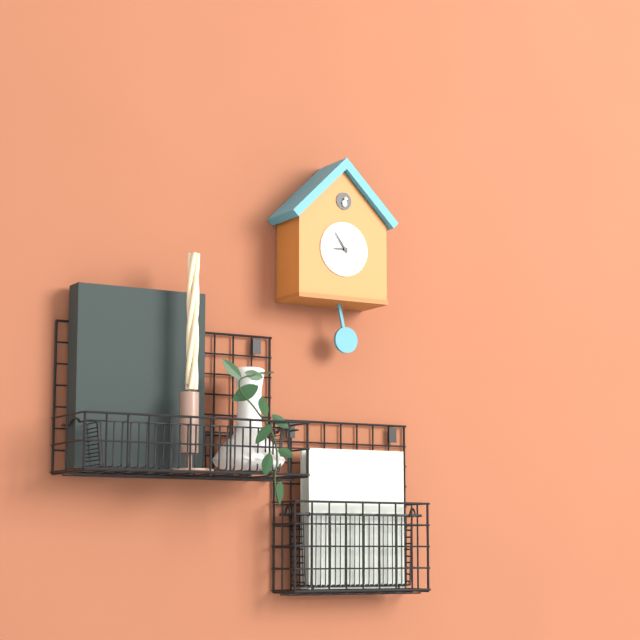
**8:54**
